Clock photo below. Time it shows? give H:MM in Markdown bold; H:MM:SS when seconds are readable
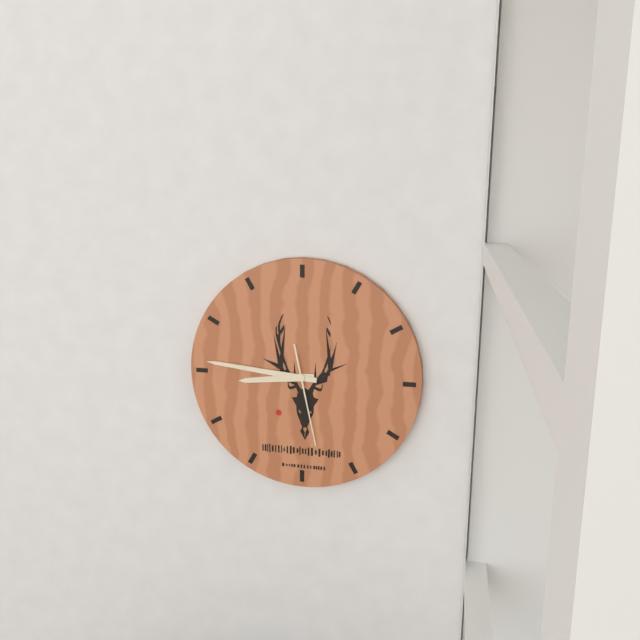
**8:46:28**
